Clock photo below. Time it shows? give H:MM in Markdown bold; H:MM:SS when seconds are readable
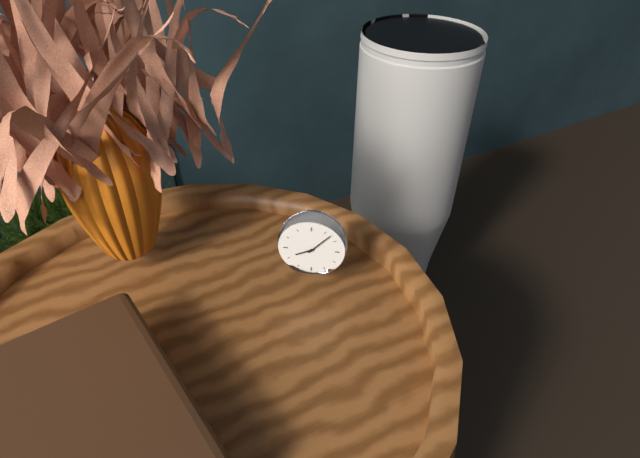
**8:07**
